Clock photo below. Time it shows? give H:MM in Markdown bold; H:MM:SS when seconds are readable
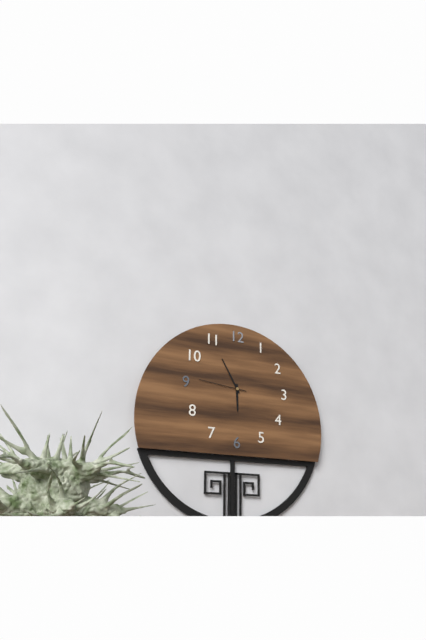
**5:55**
